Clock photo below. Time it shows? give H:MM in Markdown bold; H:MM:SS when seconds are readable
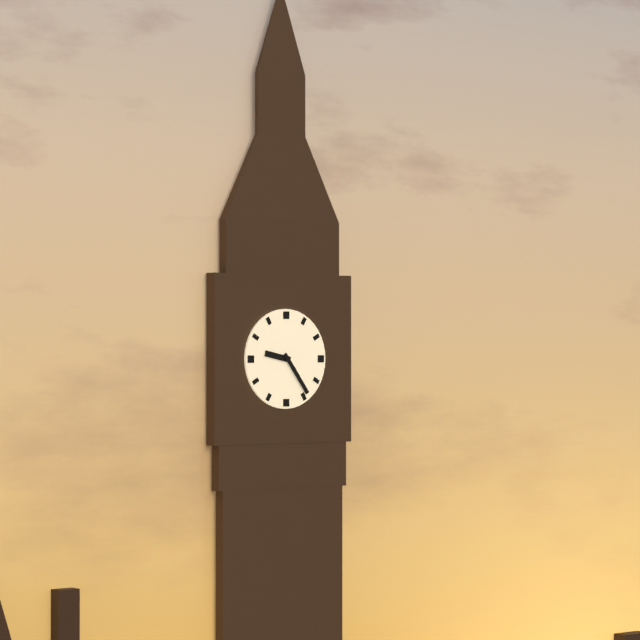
**9:24**
